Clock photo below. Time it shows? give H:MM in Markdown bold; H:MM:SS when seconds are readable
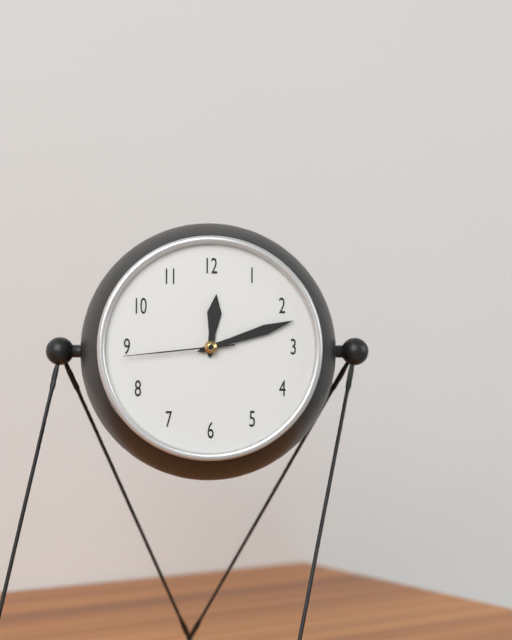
**12:12:44**
